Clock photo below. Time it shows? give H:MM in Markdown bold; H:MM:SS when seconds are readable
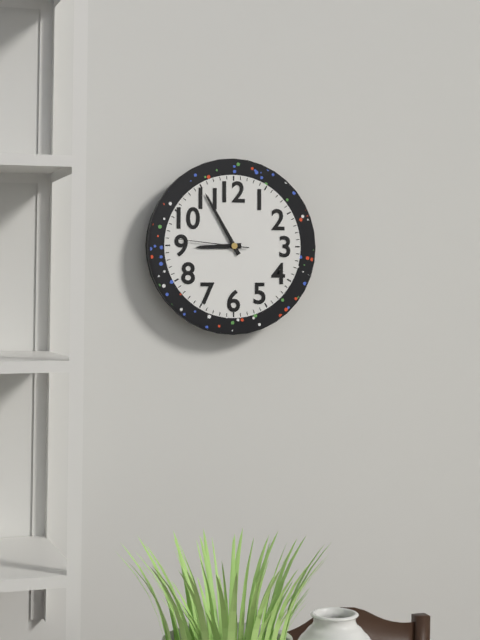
**8:55:46**
